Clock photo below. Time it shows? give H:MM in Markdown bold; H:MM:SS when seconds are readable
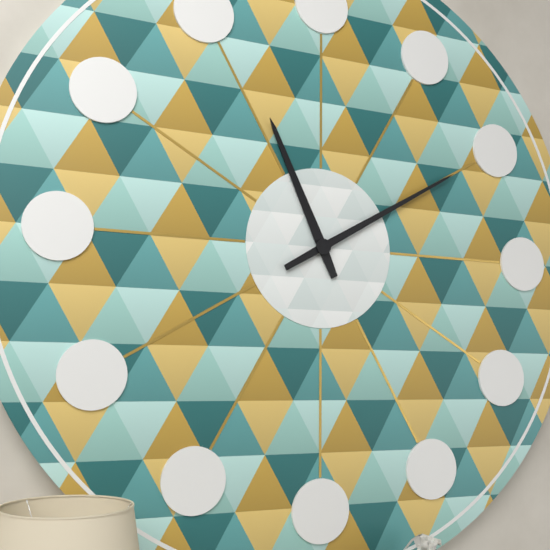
**11:10**
